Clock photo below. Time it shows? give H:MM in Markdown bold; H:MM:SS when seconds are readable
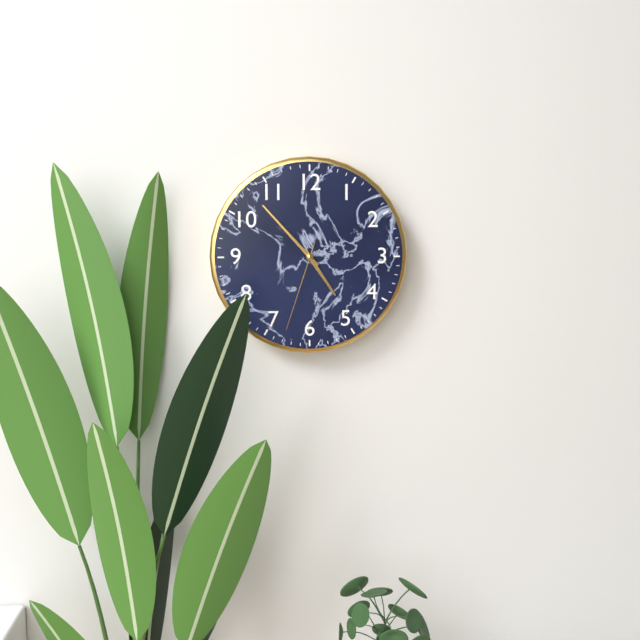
**4:53:33**
